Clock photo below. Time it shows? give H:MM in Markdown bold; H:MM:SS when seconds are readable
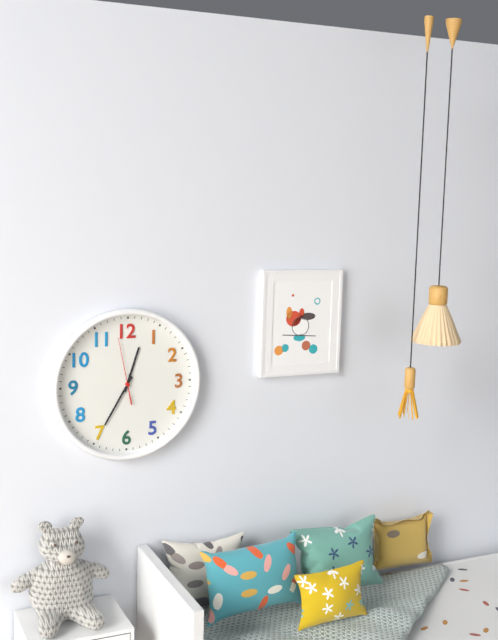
**12:35:58**
